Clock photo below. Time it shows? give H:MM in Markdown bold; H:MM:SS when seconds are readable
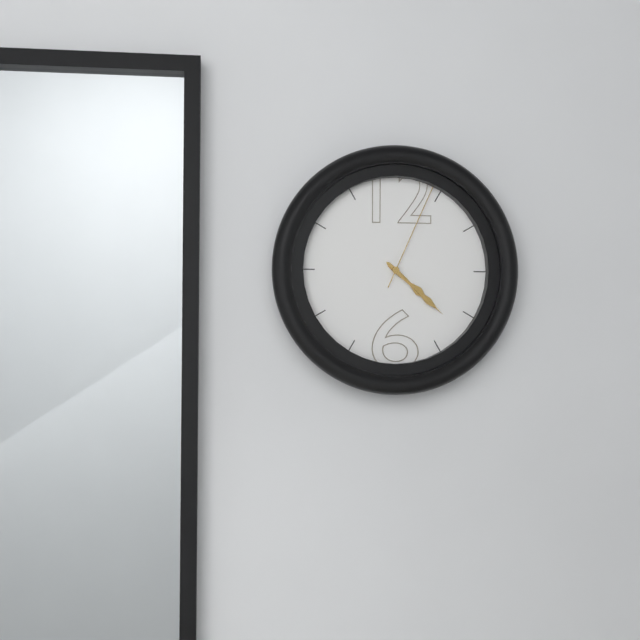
**4:22:04**
